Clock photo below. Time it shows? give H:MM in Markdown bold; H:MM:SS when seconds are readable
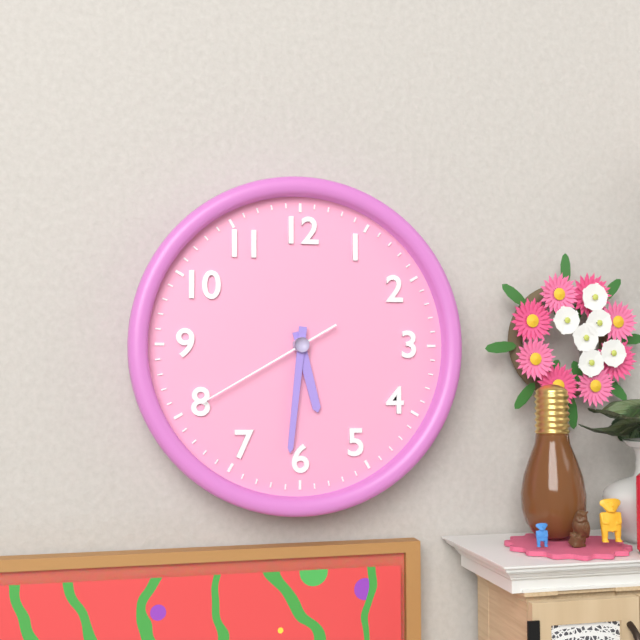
**5:31:40**
